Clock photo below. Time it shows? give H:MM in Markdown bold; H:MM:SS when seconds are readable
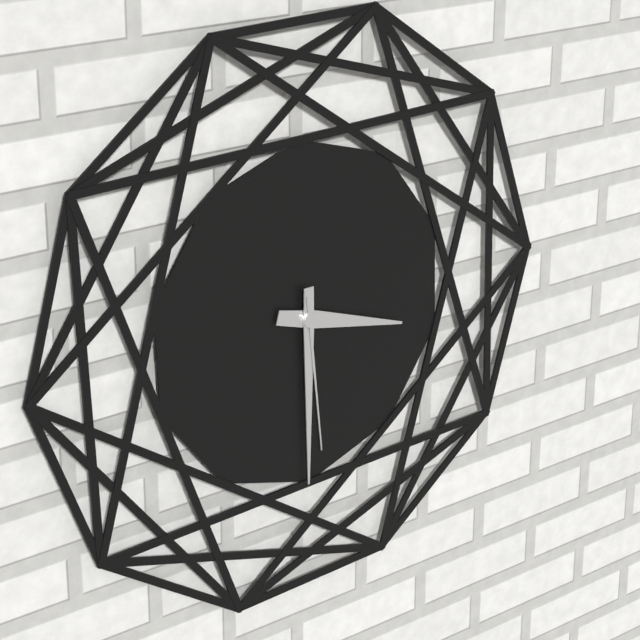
**3:30:29**
